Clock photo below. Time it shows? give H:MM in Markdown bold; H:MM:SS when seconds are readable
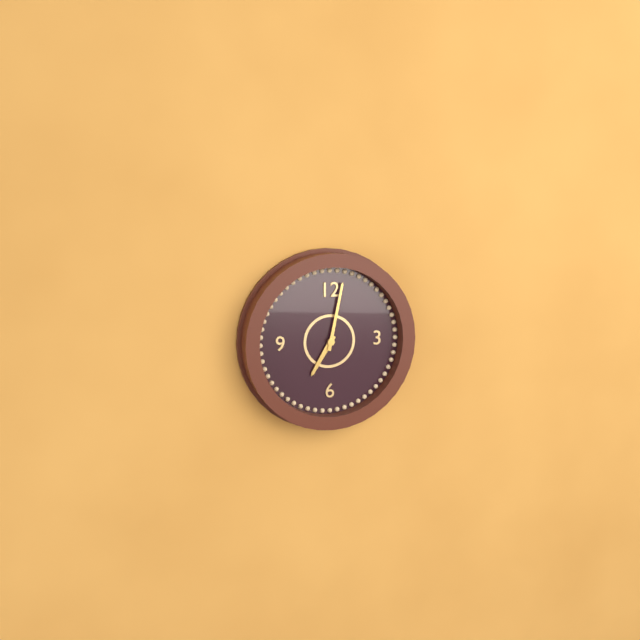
**7:02**
